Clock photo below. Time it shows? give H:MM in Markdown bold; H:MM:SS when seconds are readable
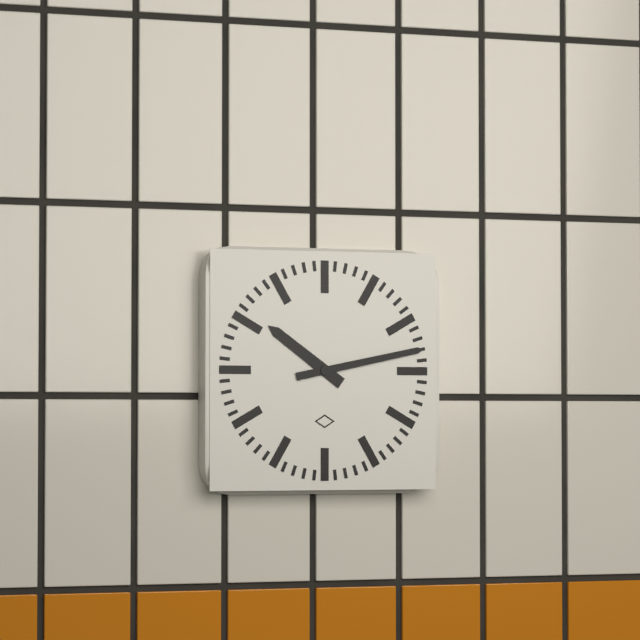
**10:13**
